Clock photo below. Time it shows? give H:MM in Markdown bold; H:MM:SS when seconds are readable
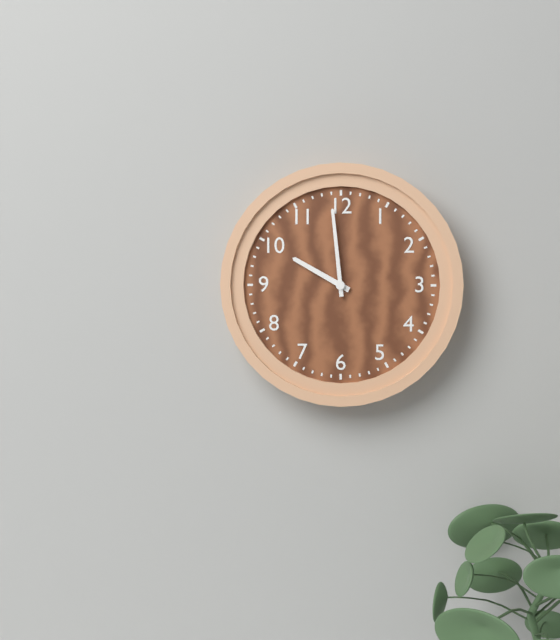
**9:59**
